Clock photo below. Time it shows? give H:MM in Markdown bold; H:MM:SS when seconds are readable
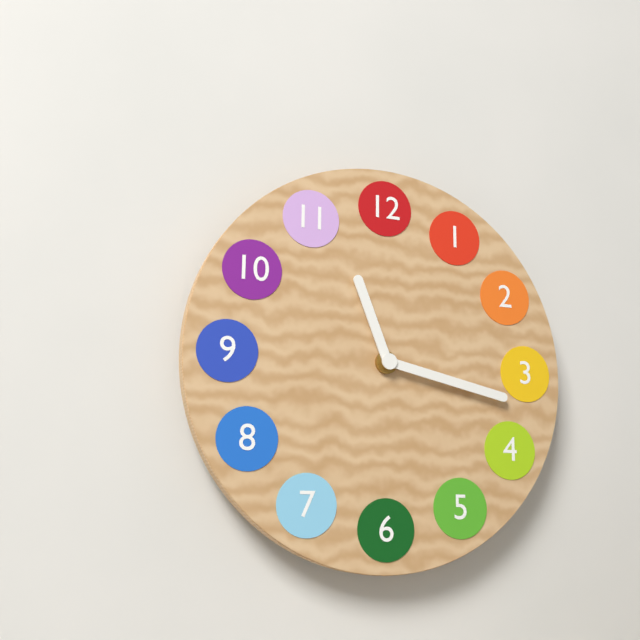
**11:17**
